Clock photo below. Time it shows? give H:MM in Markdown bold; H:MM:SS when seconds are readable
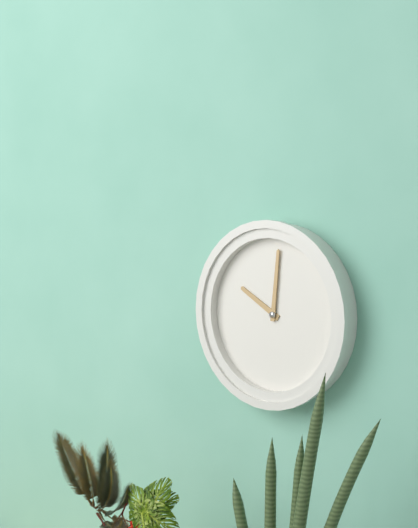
**10:01**
